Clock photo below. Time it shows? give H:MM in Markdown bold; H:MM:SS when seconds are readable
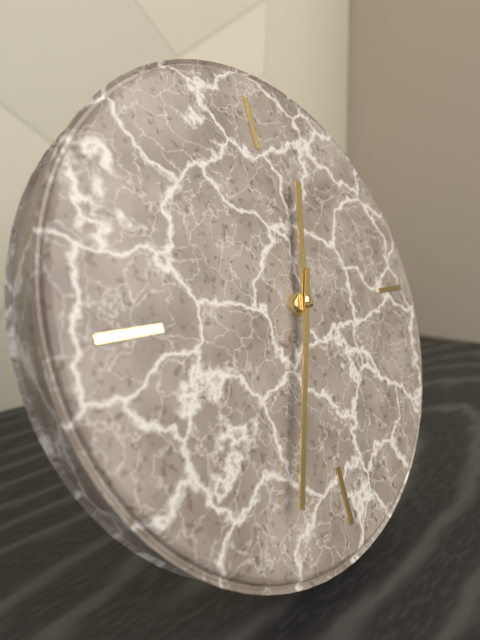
**12:34**
